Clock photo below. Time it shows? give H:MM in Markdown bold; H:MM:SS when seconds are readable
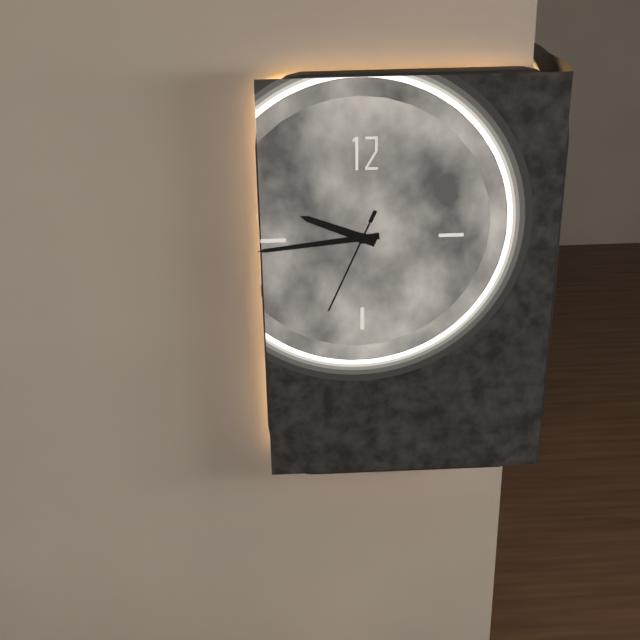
**9:44:34**
